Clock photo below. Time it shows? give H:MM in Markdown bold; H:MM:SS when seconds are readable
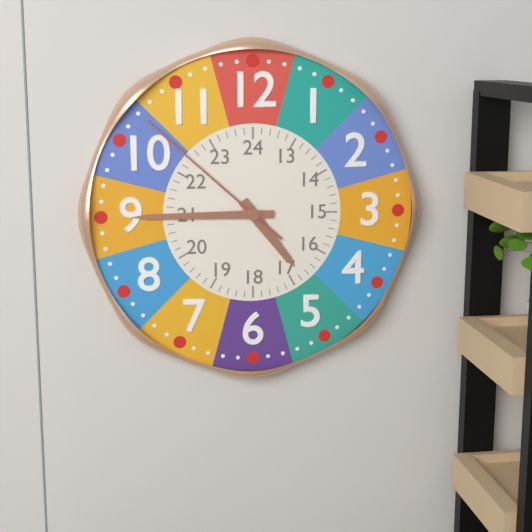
**4:45:52**
